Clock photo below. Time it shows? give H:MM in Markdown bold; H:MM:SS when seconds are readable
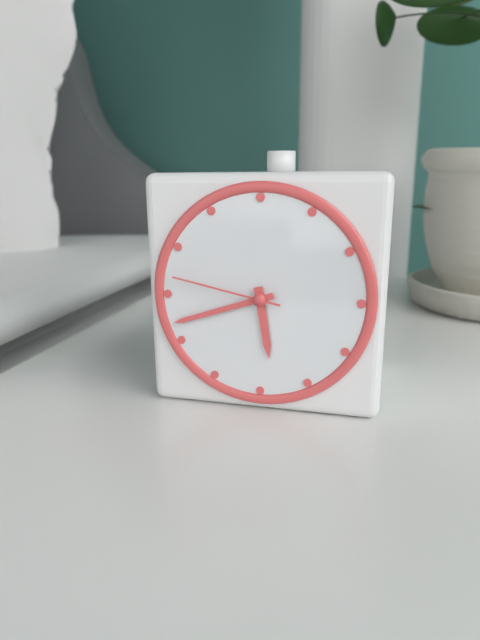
**5:42:47**
